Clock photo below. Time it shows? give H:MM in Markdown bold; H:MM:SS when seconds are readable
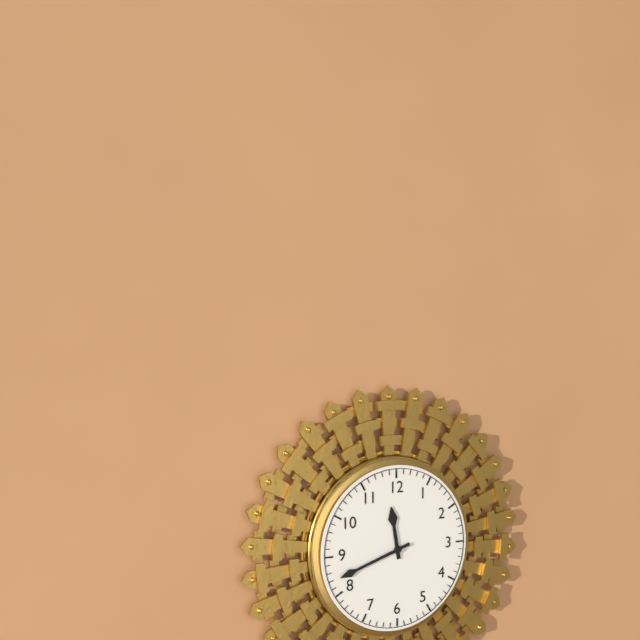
**11:42**
